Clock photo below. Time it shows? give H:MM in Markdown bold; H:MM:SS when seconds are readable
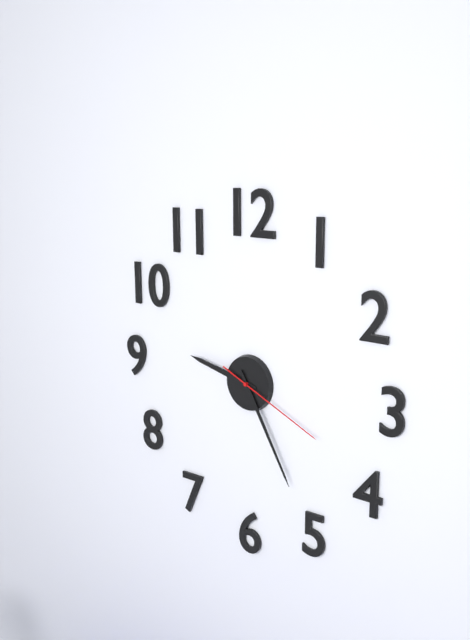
**9:25:19**
